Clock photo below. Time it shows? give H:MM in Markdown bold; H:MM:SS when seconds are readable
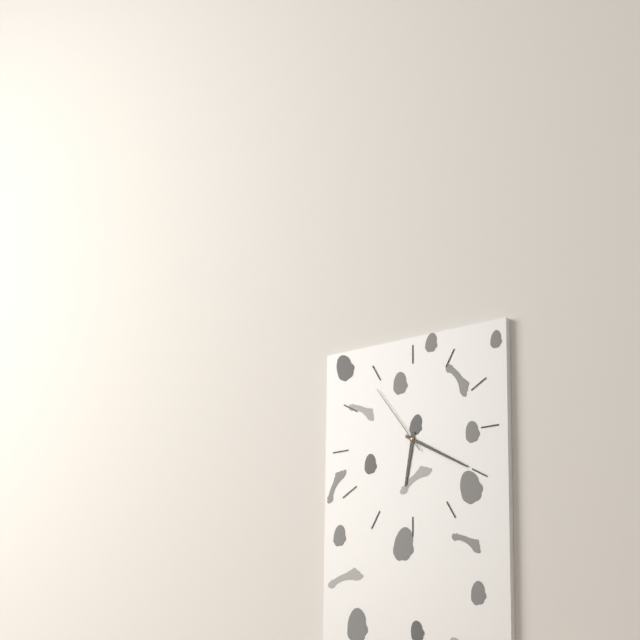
**6:20:54**
